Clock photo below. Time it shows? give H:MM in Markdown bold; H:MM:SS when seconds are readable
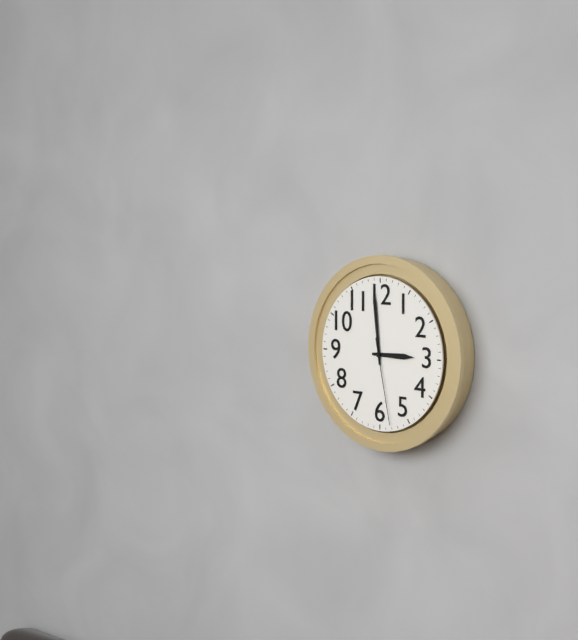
**2:59:28**
